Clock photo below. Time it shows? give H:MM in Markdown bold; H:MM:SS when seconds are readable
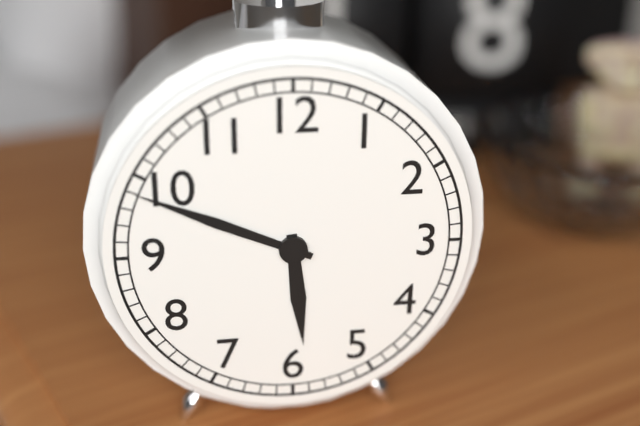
**5:49**
